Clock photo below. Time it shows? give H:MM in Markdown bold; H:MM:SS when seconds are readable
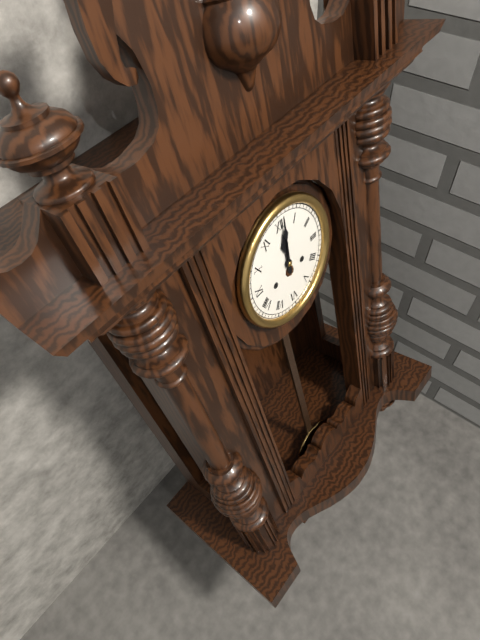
**12:01**
